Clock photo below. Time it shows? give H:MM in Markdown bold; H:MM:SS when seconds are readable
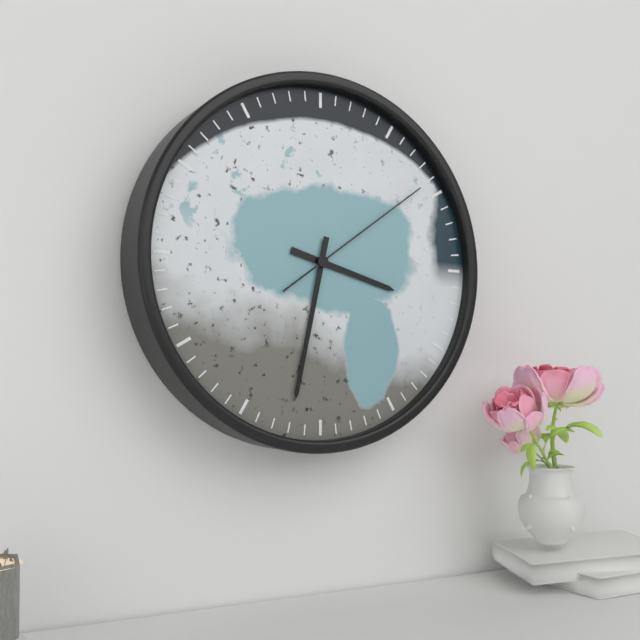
**3:32:09**
